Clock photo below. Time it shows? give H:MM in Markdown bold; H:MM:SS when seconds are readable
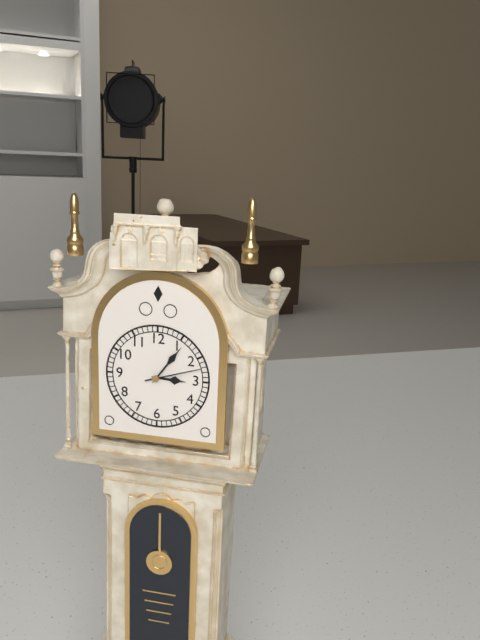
**3:06:12**
